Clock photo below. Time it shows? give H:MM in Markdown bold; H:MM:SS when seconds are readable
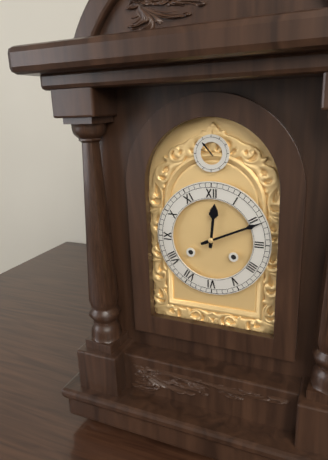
**12:11**
